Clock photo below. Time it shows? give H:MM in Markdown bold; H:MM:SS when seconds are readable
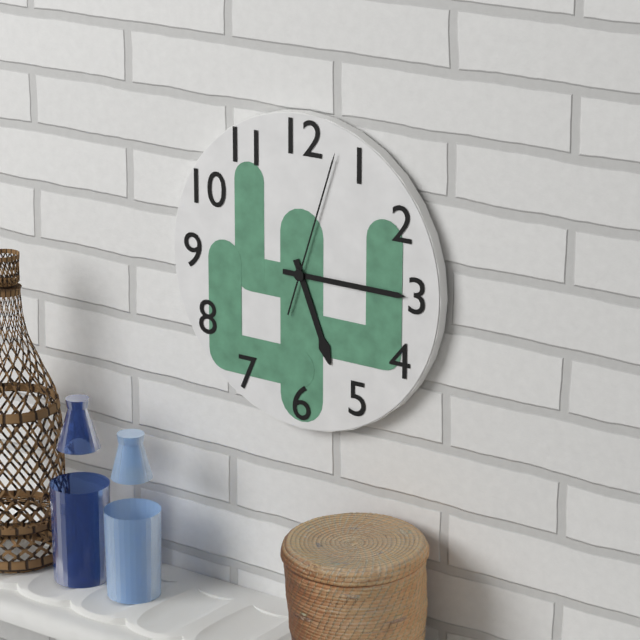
**5:15:03**
